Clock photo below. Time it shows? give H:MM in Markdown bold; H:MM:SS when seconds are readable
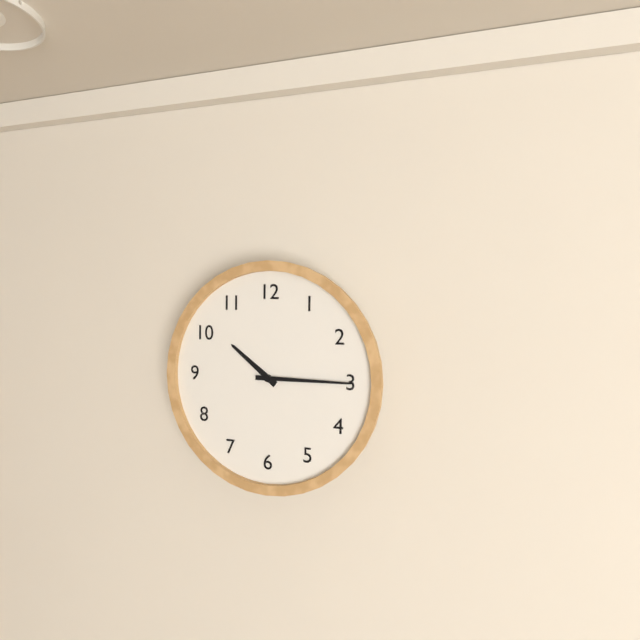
**10:15**
